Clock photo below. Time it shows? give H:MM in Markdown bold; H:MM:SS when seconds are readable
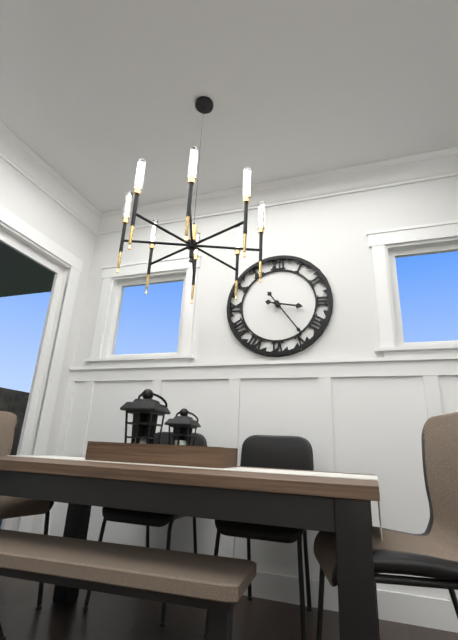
**3:24**
